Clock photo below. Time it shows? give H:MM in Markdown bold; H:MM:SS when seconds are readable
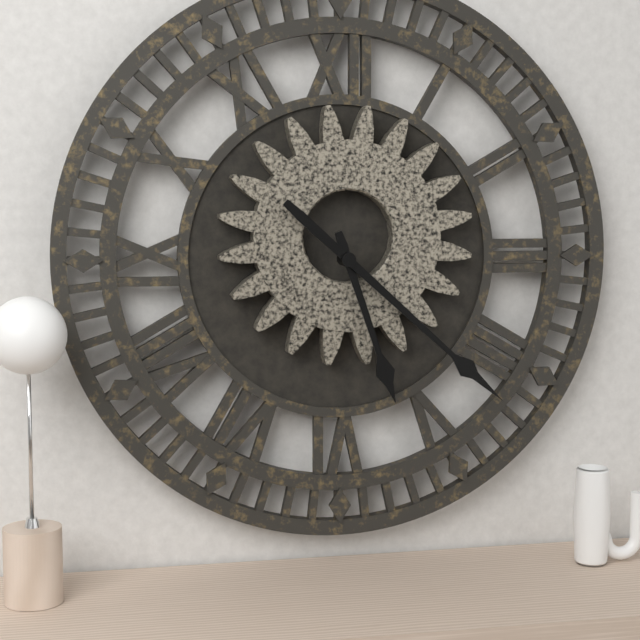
**5:22**
